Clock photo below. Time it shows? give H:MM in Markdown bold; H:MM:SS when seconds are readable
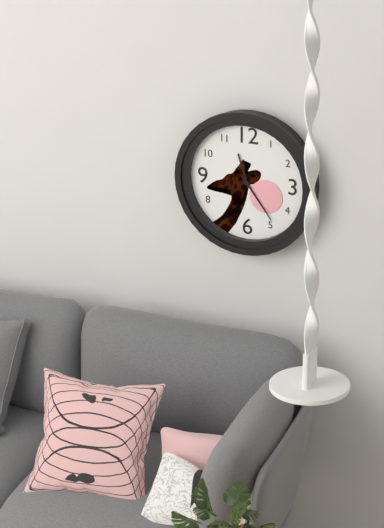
**11:24**
